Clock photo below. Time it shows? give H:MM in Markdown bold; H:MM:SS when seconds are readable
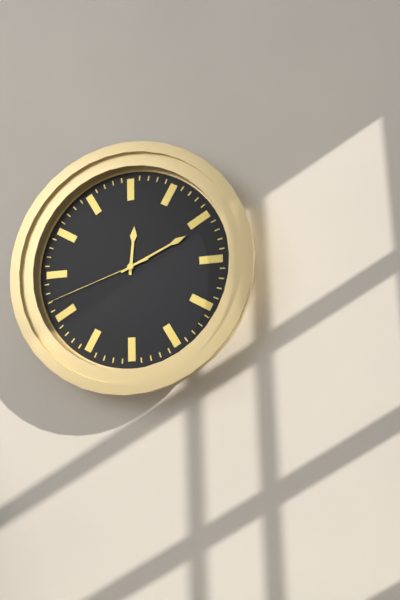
**12:11:42**
